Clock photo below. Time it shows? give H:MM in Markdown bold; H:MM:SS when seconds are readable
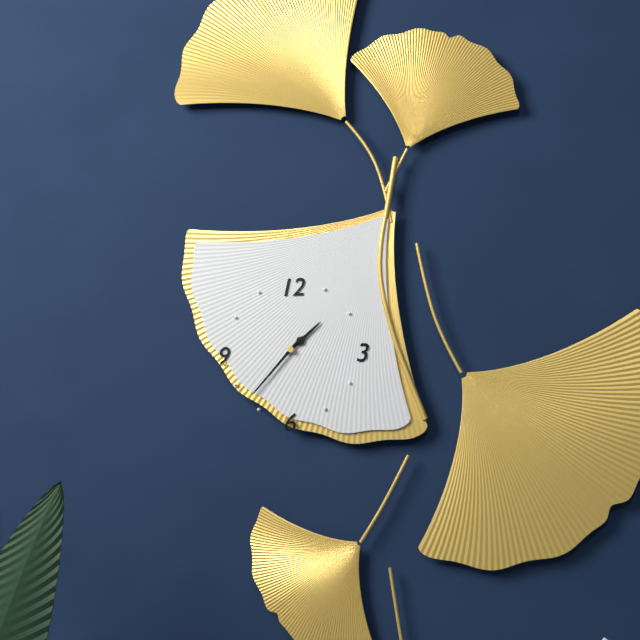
**1:37**
